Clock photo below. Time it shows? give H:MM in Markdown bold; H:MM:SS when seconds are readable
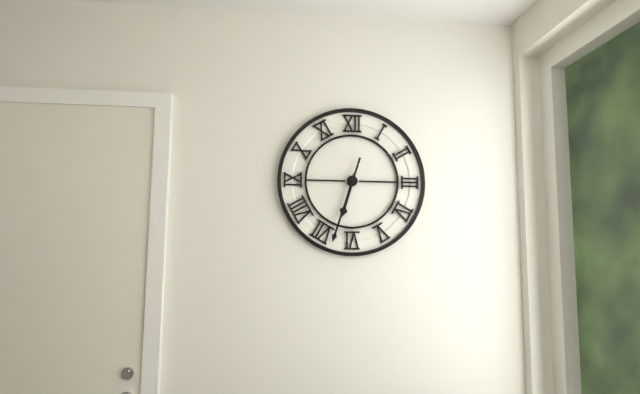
**6:33**
